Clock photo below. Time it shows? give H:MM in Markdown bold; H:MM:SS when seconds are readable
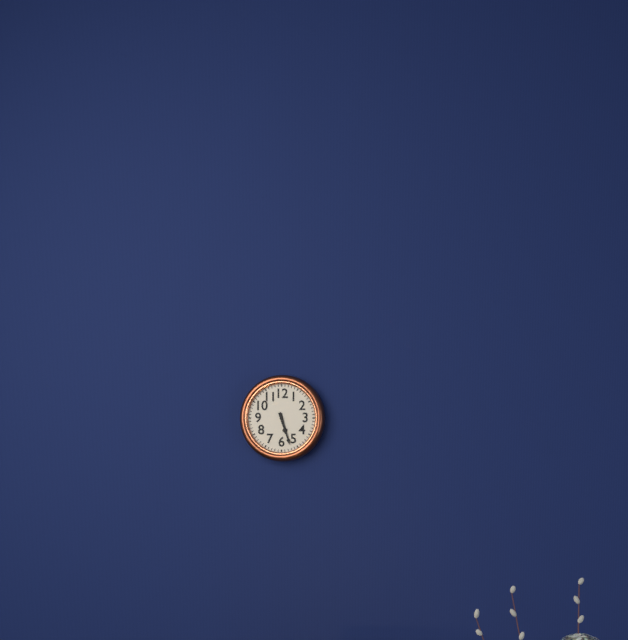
**5:27**
